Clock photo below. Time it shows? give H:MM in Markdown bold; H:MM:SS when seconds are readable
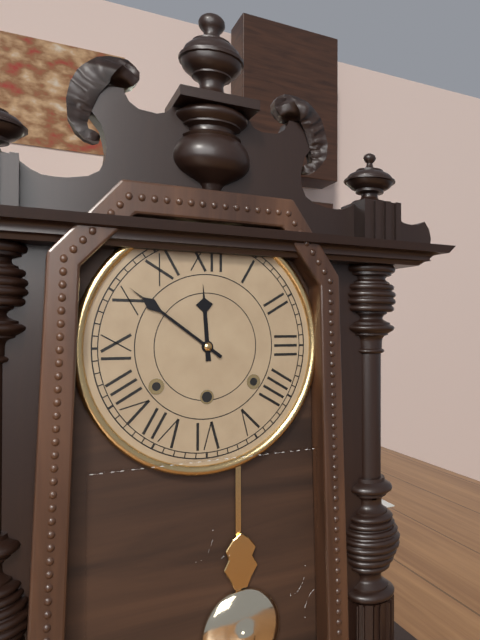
**11:51**
